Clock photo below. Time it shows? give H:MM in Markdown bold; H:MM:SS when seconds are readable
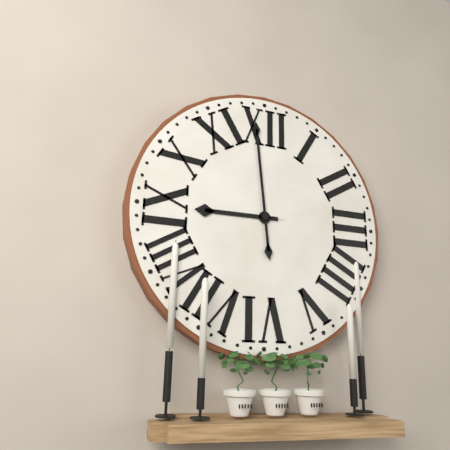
**8:59**
